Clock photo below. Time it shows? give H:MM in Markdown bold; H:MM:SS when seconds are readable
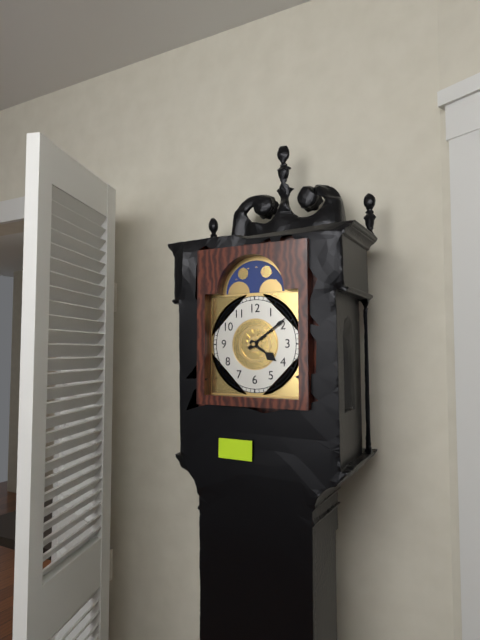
**4:09**
